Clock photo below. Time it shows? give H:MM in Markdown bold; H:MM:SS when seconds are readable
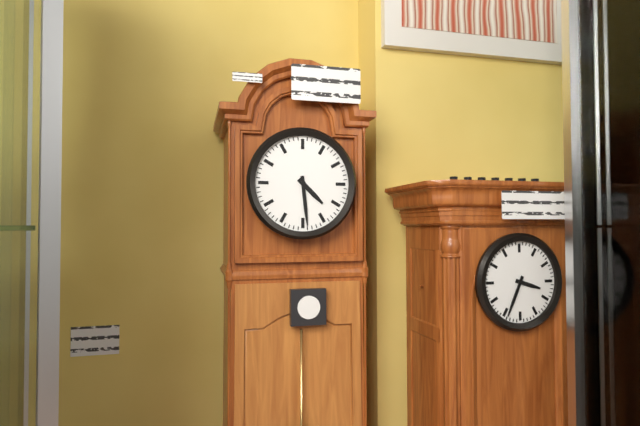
**4:29**
